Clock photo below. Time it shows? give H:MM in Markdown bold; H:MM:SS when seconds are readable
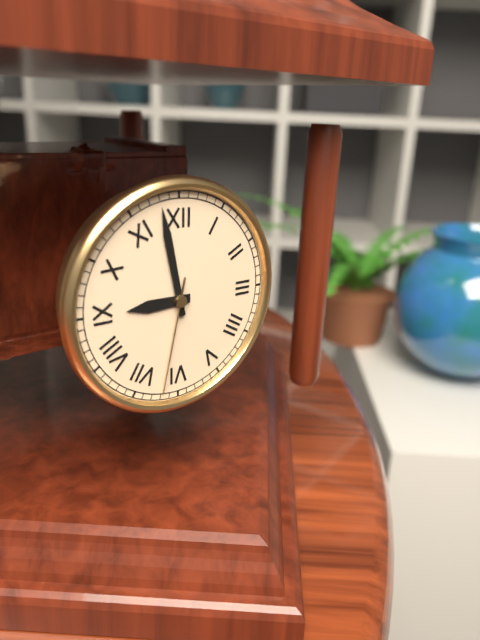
**8:58:32**
